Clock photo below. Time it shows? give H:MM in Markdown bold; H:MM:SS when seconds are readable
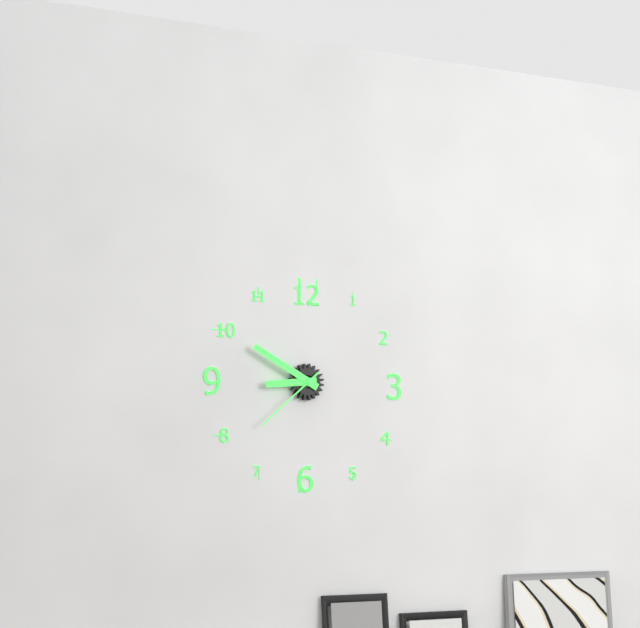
**8:50:38**
